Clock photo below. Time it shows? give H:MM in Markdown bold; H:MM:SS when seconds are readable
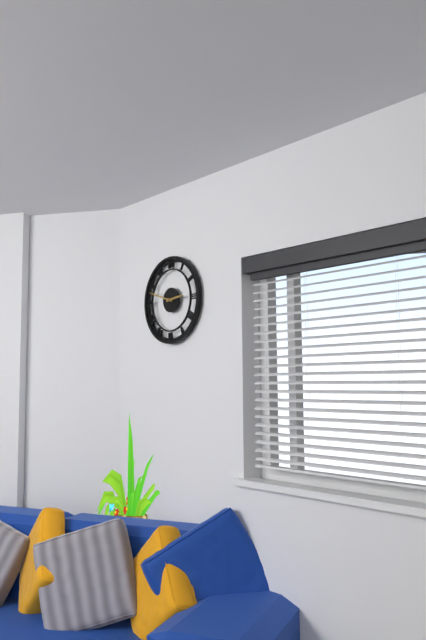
**2:48**
